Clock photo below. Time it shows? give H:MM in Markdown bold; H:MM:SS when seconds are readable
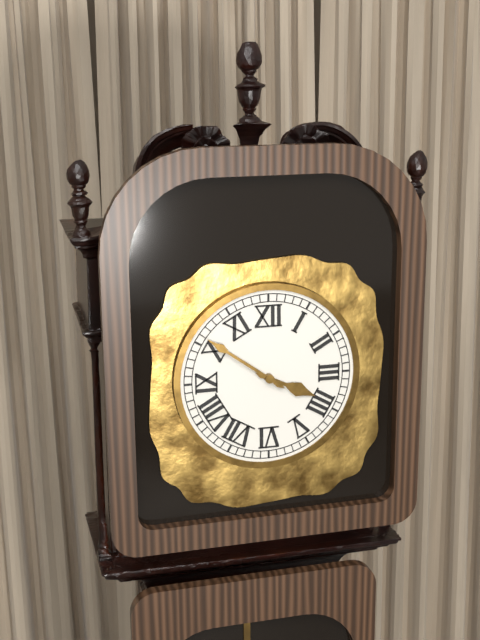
**3:51**
